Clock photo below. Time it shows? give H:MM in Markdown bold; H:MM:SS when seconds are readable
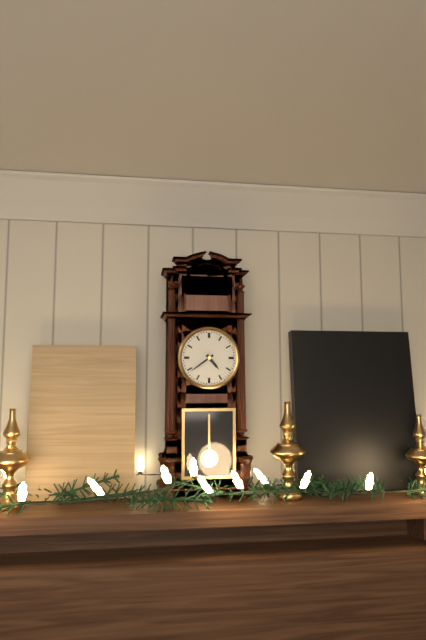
**4:39**
